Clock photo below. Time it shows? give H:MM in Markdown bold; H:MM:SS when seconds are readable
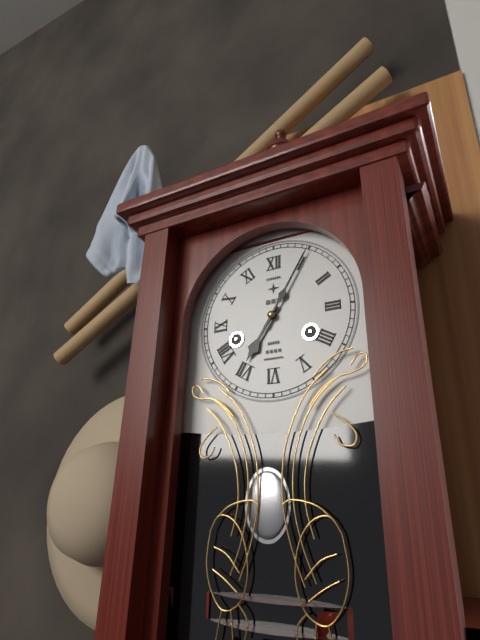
**7:05**
